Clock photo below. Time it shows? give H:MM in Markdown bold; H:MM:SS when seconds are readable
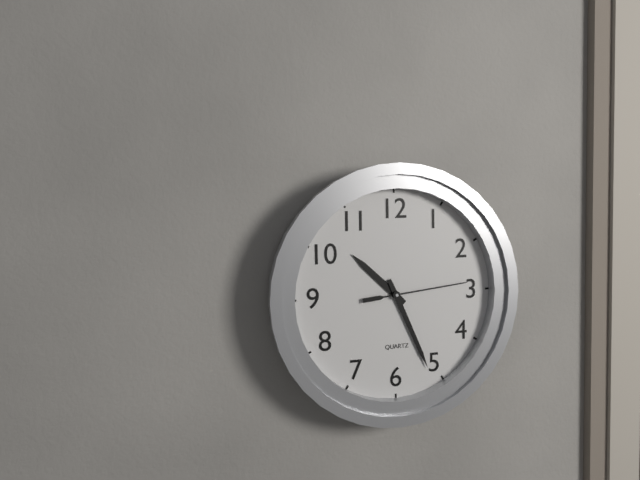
**10:26:14**
